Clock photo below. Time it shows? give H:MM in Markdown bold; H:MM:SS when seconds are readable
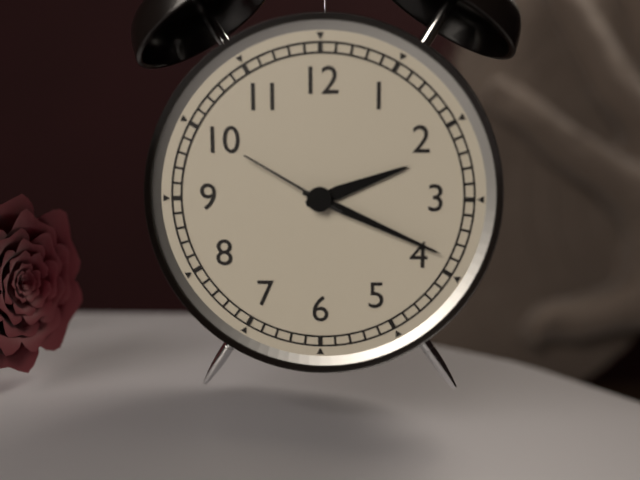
**2:19:50**
